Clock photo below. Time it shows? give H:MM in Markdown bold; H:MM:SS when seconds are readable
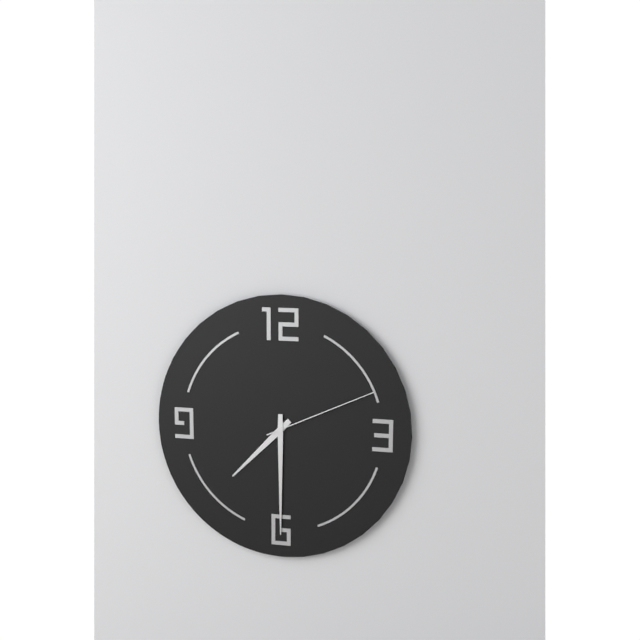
**7:30:11**
